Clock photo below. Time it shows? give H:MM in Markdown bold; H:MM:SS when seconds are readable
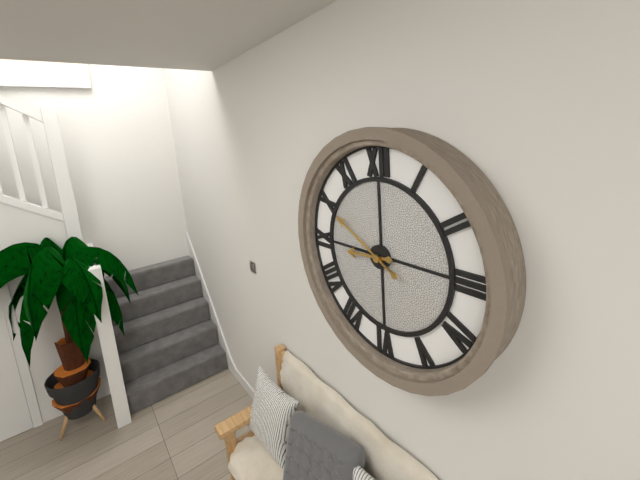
**8:50**
